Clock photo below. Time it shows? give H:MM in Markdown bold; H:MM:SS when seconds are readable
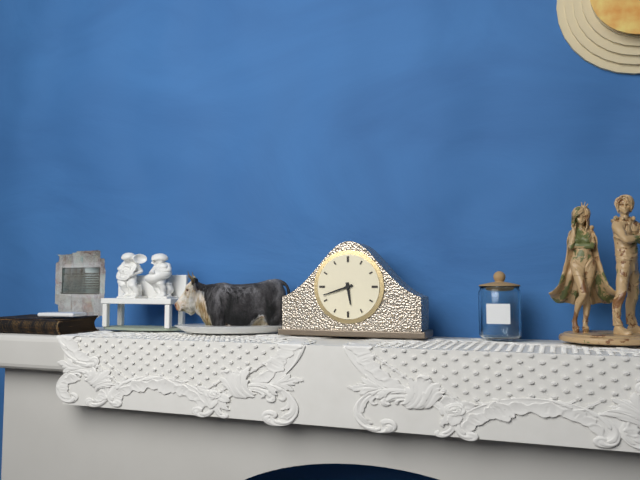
**5:42**
